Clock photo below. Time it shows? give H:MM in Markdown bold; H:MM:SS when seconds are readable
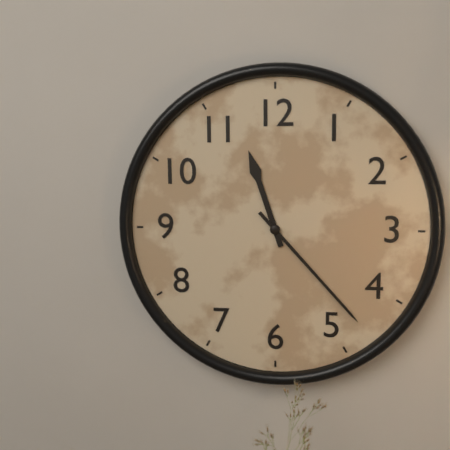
**11:23**
